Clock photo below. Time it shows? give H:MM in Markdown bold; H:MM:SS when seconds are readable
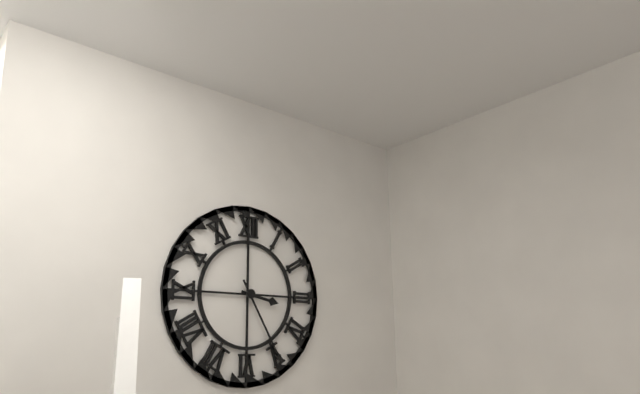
**3:25**
